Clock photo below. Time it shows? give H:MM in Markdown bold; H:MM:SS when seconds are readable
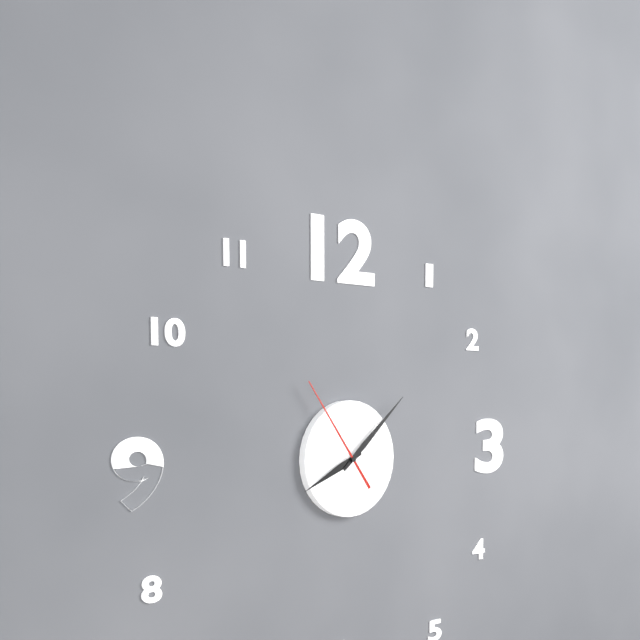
**8:08:54**
